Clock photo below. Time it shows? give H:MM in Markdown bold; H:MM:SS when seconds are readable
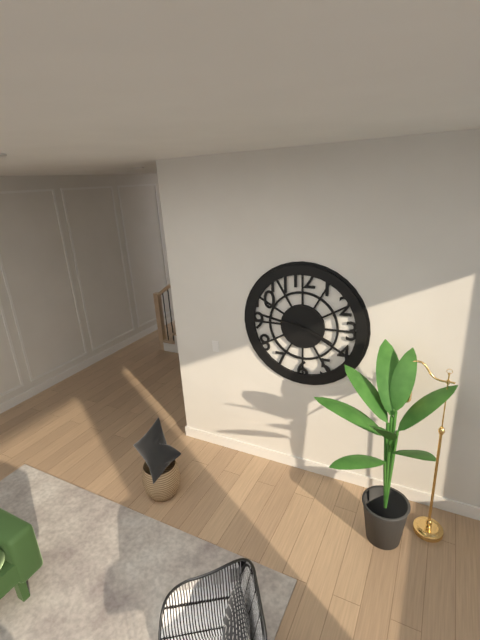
**3:47**
